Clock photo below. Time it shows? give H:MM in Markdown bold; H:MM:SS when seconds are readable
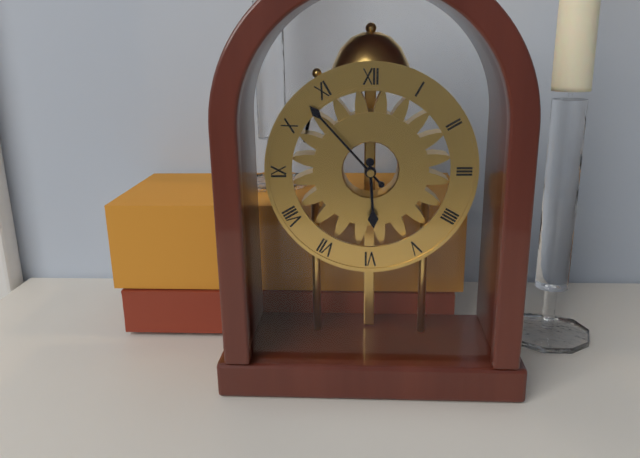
**5:53**
